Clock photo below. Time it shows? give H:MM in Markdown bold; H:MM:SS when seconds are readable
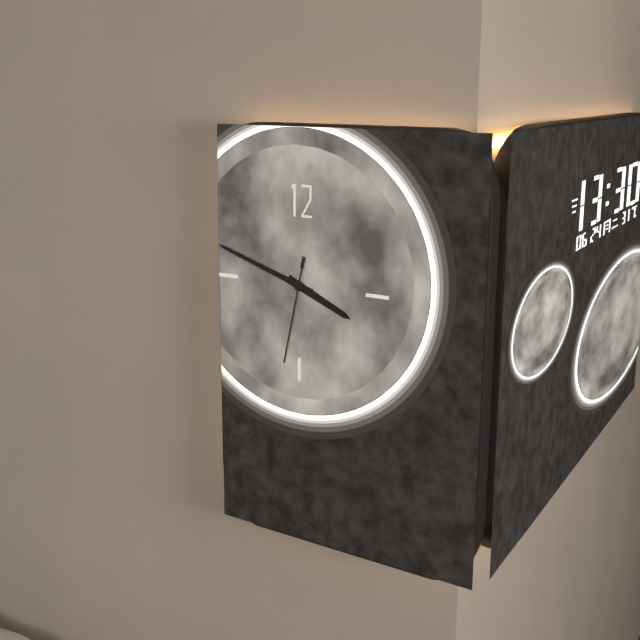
**3:48:32**
